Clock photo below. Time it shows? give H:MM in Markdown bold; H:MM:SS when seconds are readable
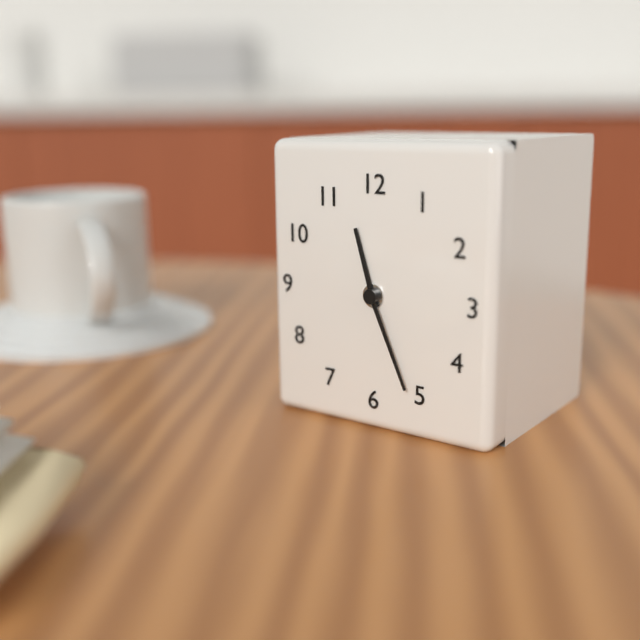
**11:26**
